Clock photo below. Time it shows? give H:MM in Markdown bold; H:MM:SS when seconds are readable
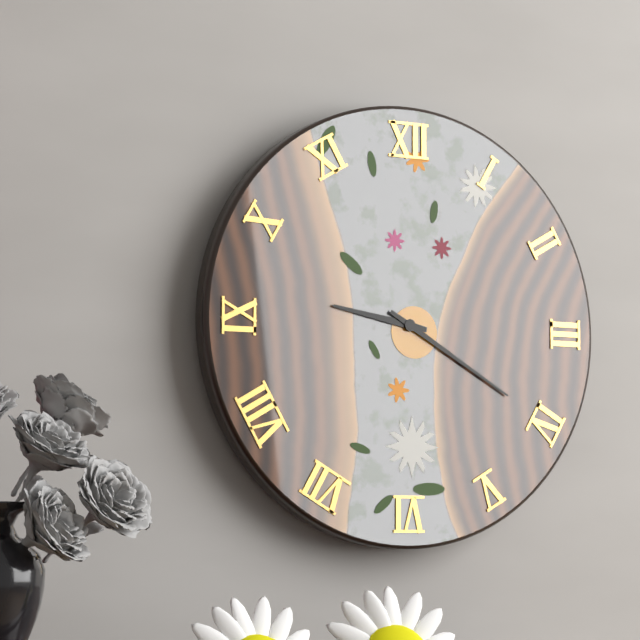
**9:20**
